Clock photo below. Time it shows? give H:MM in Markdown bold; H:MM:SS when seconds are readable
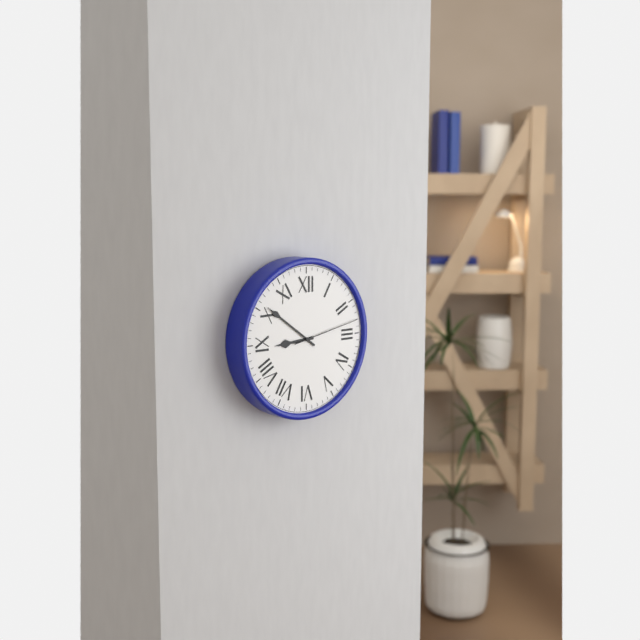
**8:51:13**
